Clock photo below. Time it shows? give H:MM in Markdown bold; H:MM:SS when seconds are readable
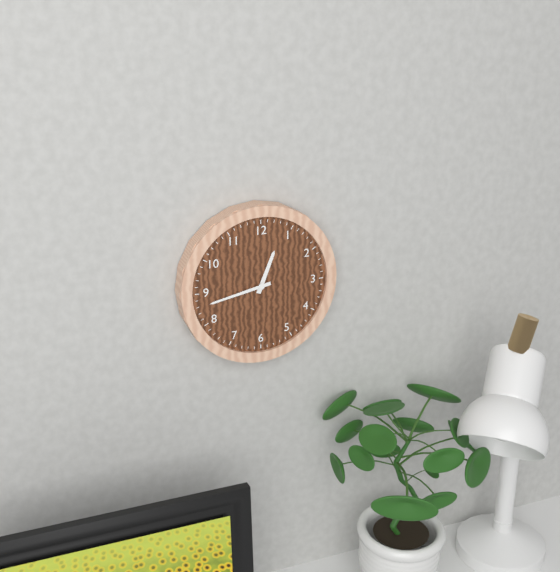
**12:43**
